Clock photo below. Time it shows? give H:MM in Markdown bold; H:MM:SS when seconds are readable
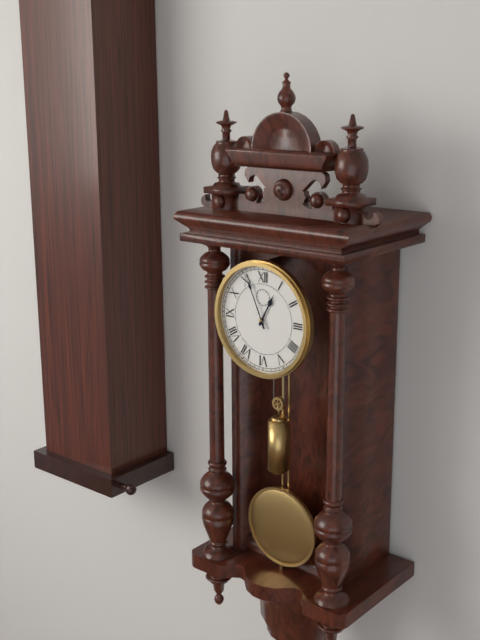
**12:56**
